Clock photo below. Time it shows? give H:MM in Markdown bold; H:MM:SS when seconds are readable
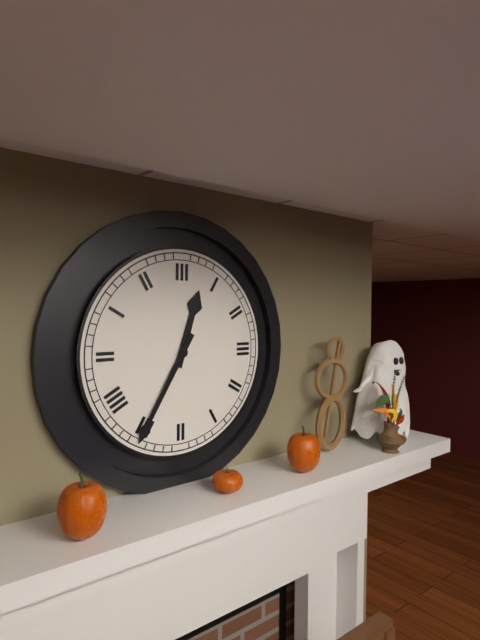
**12:35**
